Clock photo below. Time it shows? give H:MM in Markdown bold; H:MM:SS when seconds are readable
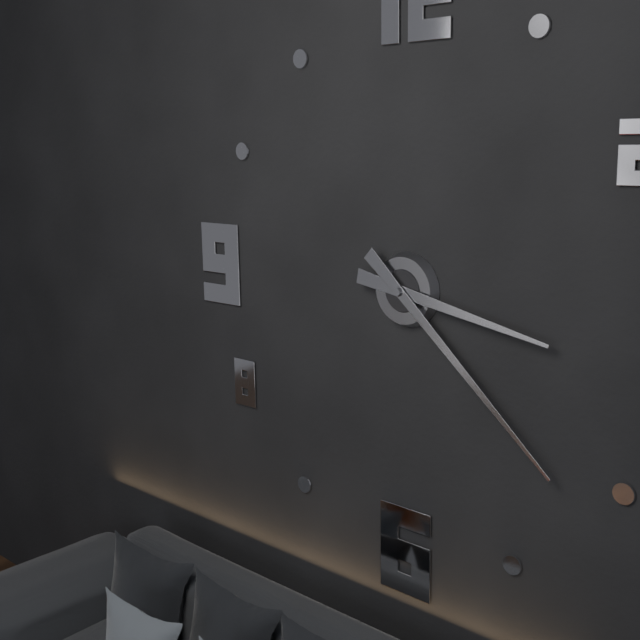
**3:22**
